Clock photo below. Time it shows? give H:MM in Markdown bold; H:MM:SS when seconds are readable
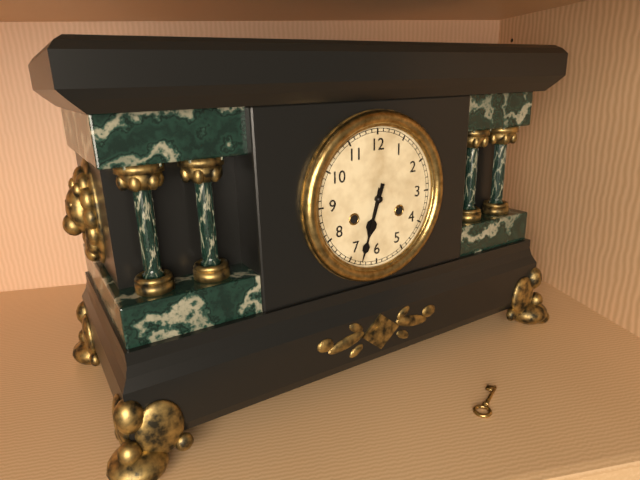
**6:33**
